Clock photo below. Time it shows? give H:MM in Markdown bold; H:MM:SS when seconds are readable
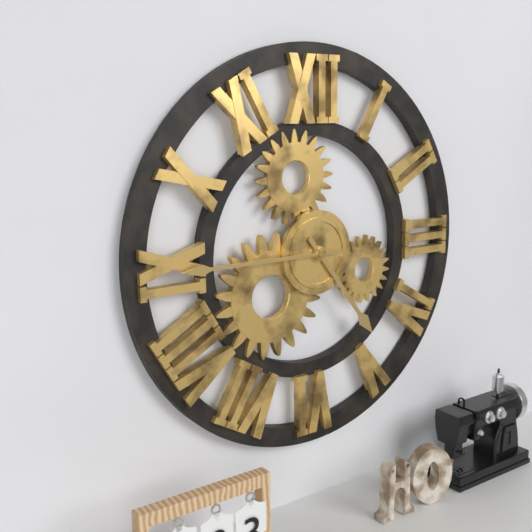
**4:45**
